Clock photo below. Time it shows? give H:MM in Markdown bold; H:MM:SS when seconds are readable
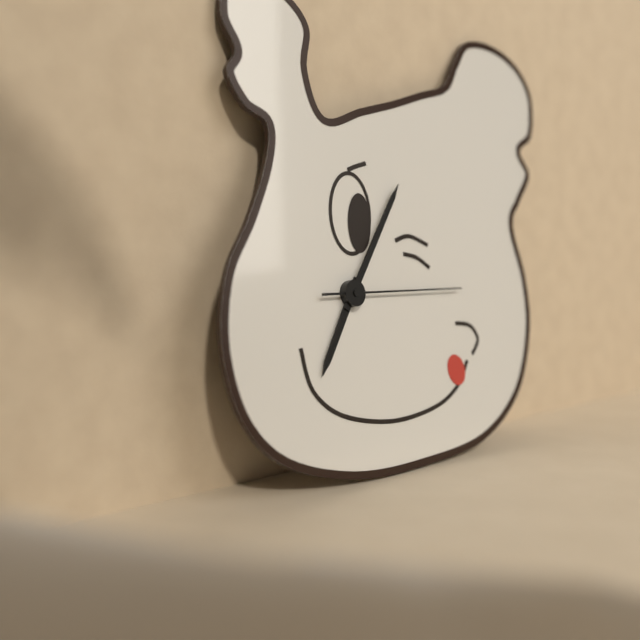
**7:06:15**
